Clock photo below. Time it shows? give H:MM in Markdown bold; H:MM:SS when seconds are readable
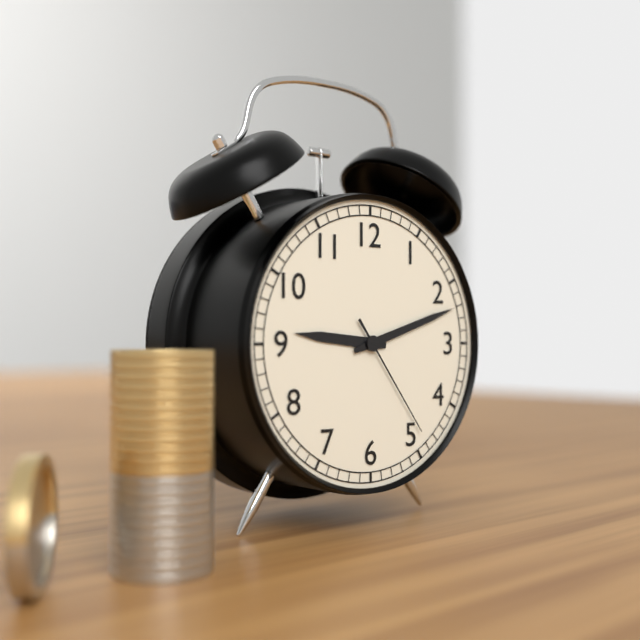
**9:12:24**
